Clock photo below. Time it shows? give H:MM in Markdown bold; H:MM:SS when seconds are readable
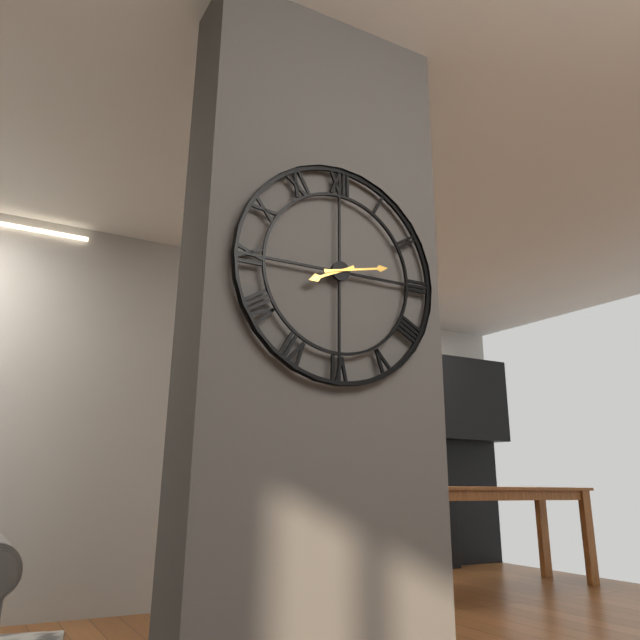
**8:13**
